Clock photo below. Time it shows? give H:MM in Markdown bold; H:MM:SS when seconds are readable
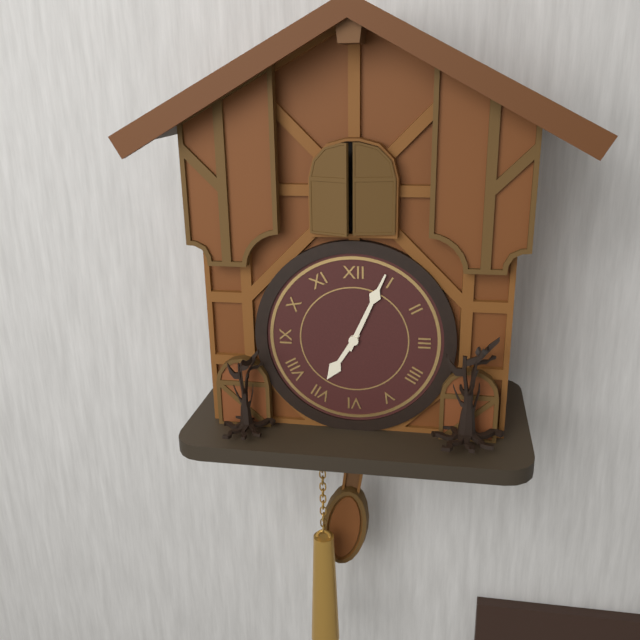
**7:04**
